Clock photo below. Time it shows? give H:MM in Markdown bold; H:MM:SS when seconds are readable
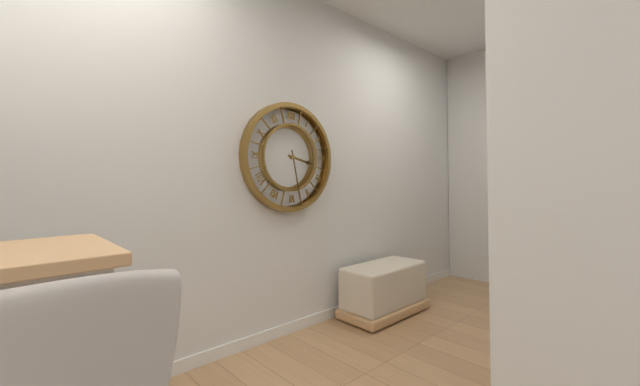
**3:28**
